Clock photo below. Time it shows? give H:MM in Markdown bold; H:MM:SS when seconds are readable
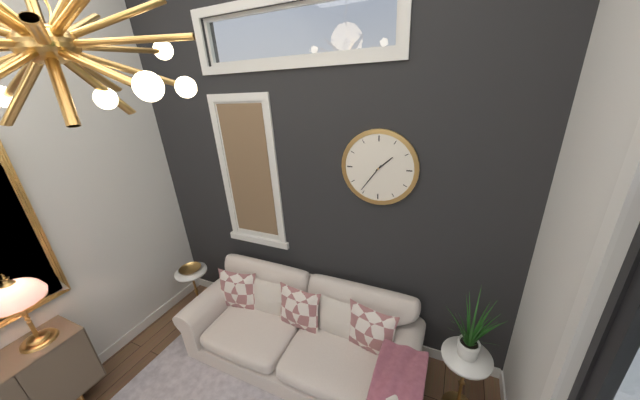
**1:36**
